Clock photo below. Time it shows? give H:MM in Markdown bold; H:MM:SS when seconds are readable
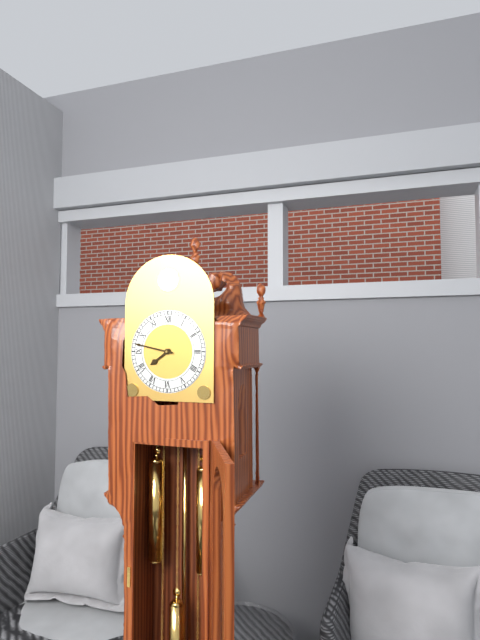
**7:47**
